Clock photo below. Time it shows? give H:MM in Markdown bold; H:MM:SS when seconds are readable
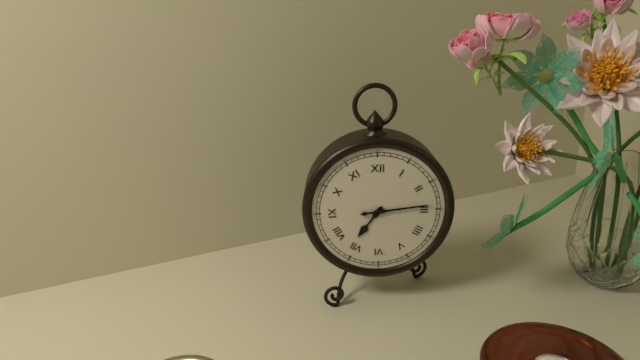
**7:14**
